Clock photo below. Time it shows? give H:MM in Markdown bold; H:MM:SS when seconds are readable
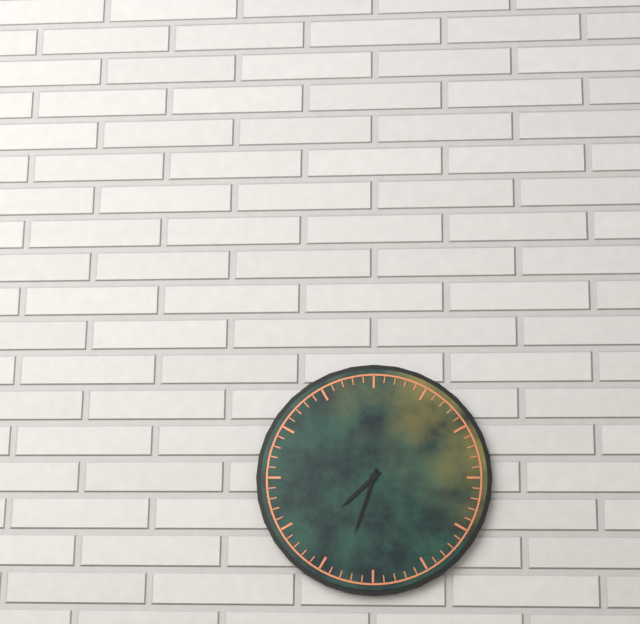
**7:33**
